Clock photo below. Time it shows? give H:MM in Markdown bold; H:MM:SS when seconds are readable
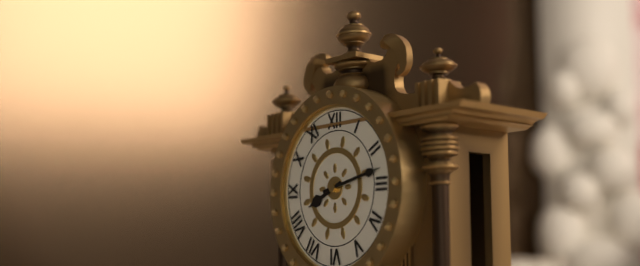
**8:13**
